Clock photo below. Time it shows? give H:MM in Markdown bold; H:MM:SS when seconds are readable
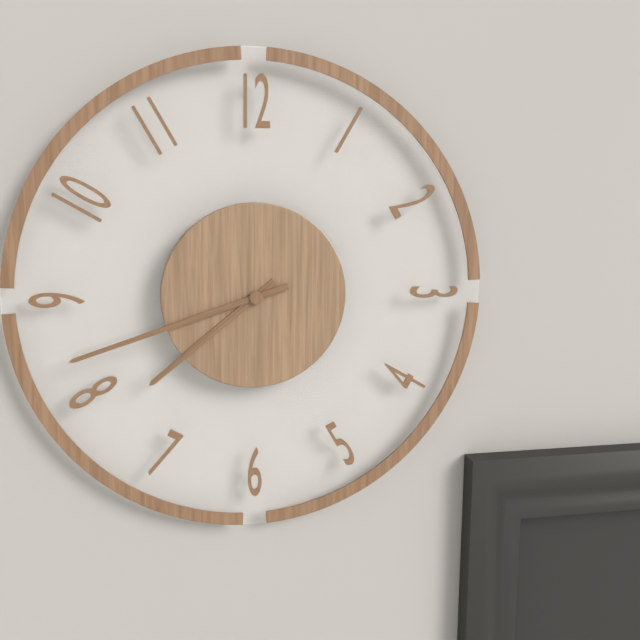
**7:42**
